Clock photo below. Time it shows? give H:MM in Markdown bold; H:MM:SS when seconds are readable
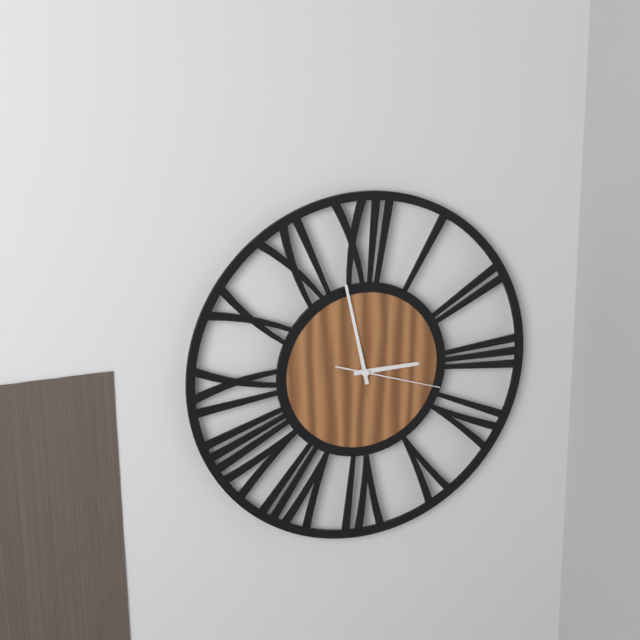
**2:58:18**
